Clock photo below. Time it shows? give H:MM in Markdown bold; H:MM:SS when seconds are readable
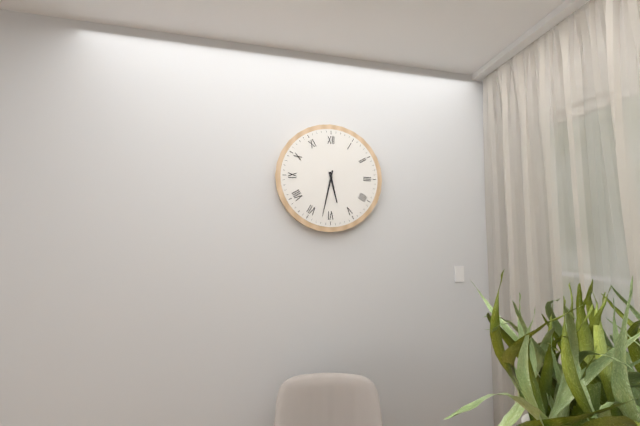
**5:32**
